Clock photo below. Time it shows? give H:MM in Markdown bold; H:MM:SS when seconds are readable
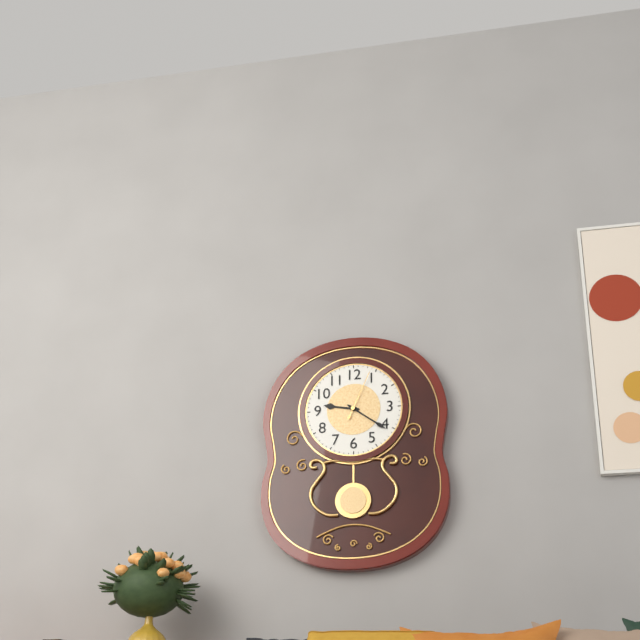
**9:21:04**
